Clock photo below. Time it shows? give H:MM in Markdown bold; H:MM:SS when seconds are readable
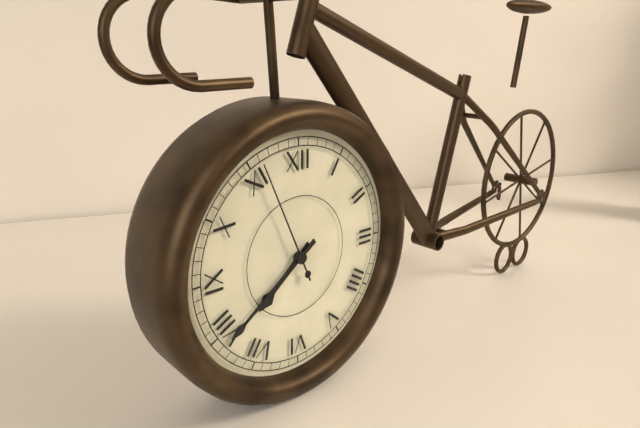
**7:39:56**
